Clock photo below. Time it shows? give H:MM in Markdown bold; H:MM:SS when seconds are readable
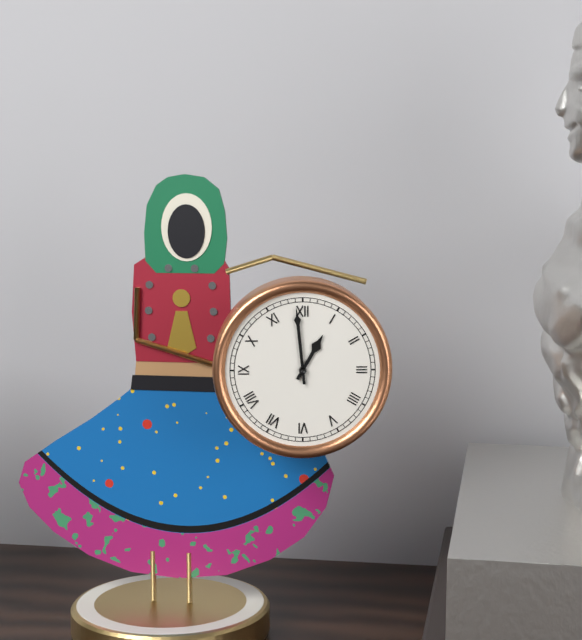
**12:59**
